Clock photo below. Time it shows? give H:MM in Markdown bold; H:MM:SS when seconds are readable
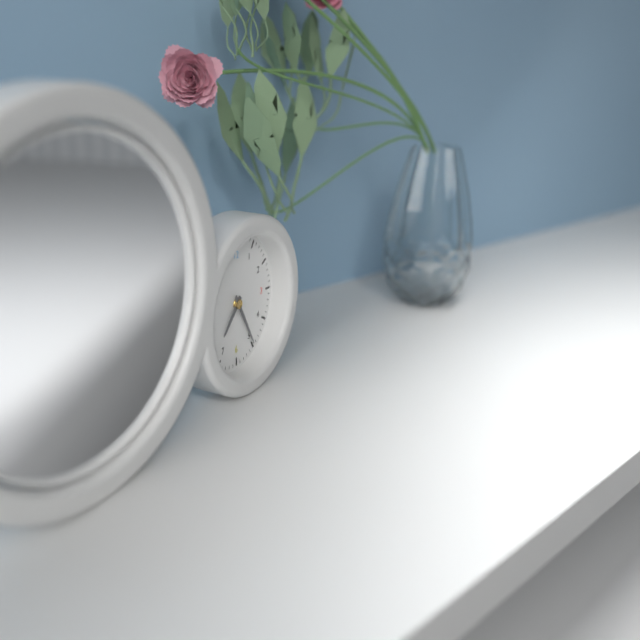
**7:25**
